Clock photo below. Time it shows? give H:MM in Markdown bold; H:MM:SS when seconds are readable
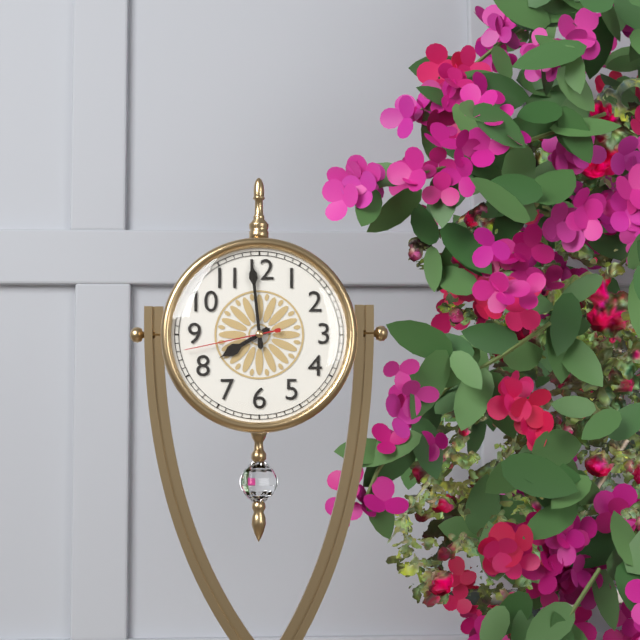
**7:59:43**
